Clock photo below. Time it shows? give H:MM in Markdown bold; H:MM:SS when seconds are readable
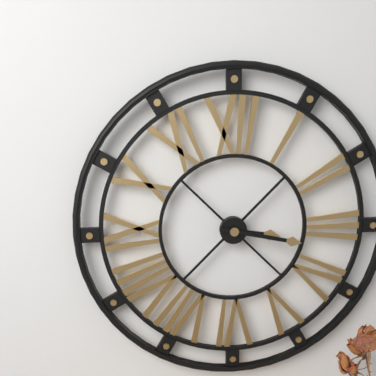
**3:17**
